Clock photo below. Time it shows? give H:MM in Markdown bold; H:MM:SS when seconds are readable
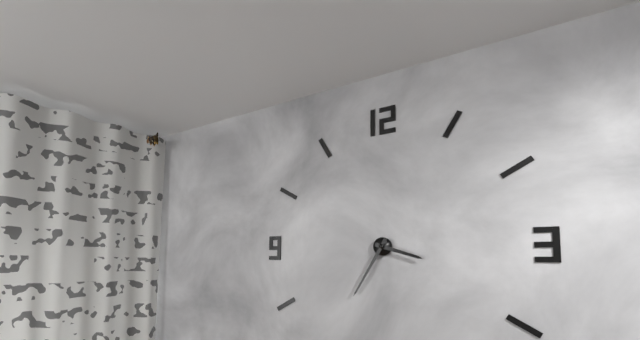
**3:35**
